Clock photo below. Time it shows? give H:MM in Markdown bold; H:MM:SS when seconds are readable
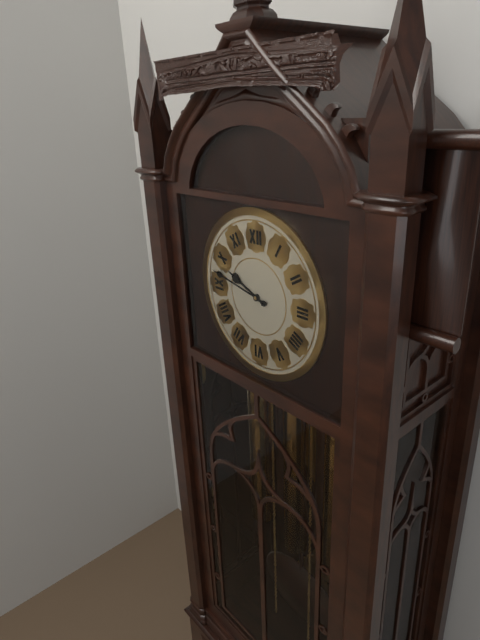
**9:47**
